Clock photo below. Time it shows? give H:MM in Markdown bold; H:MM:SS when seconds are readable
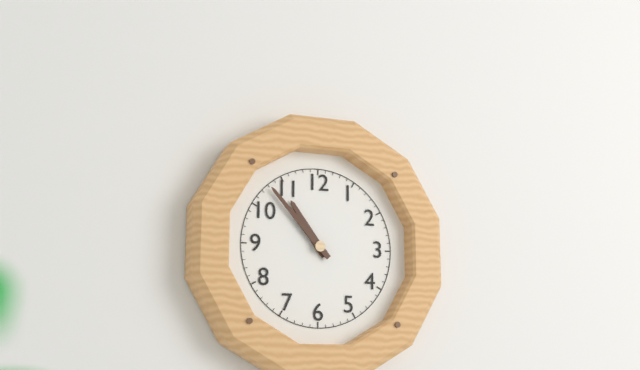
**10:53**
